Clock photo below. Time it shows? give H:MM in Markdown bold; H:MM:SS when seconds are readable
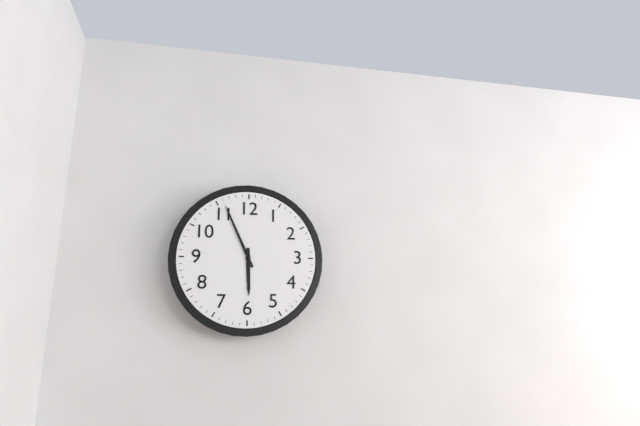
**5:56**
